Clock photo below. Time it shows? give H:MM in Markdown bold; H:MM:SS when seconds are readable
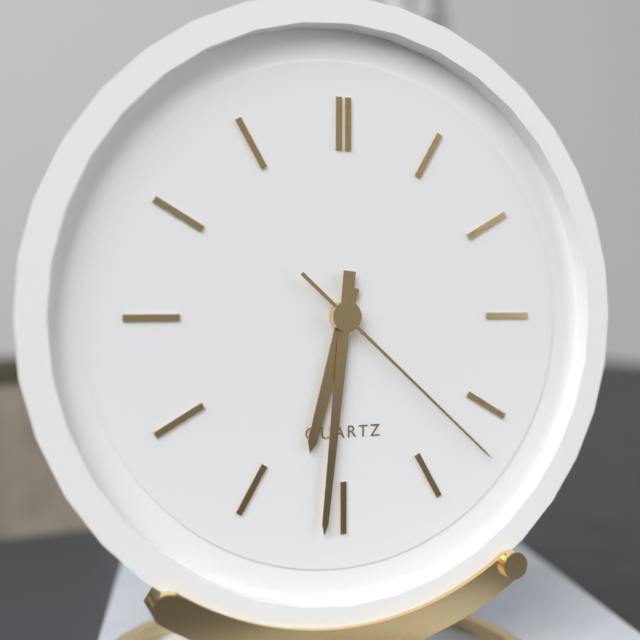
**6:31:22**
